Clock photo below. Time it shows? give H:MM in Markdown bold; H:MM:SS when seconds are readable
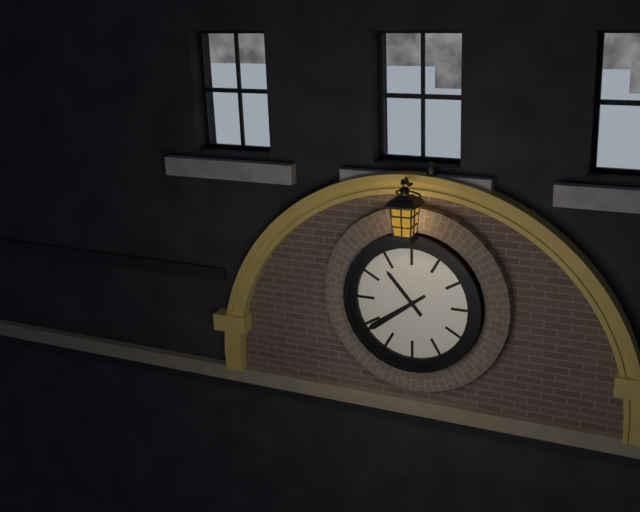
**10:39**
